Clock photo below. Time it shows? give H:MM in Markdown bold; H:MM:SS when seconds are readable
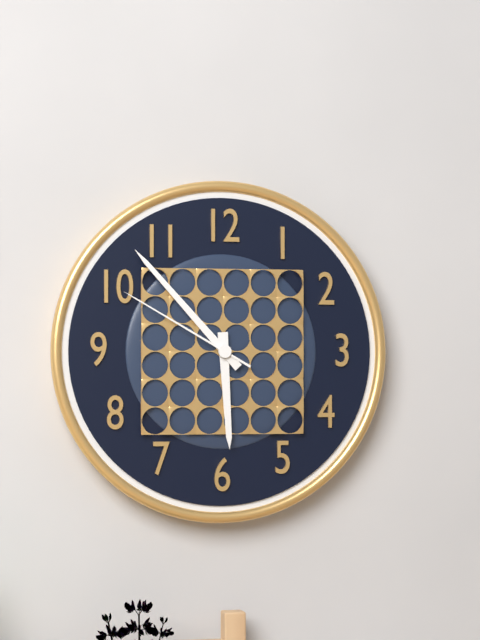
**5:53:50**
